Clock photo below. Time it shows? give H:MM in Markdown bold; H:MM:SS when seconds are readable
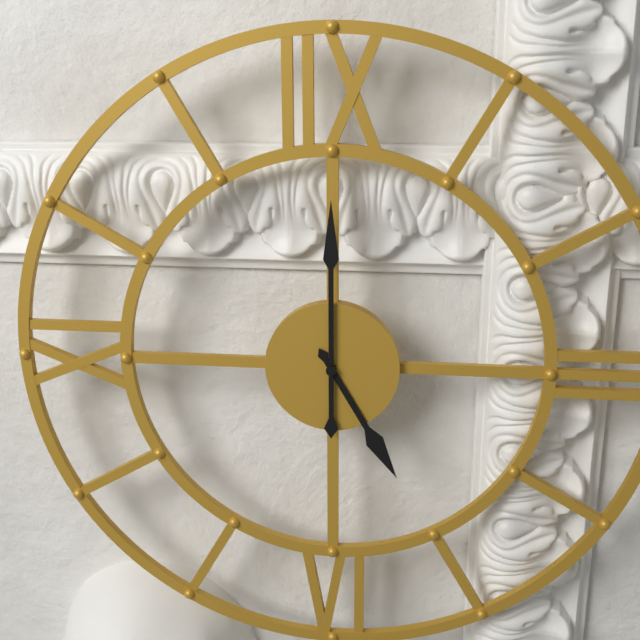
**5:00**
